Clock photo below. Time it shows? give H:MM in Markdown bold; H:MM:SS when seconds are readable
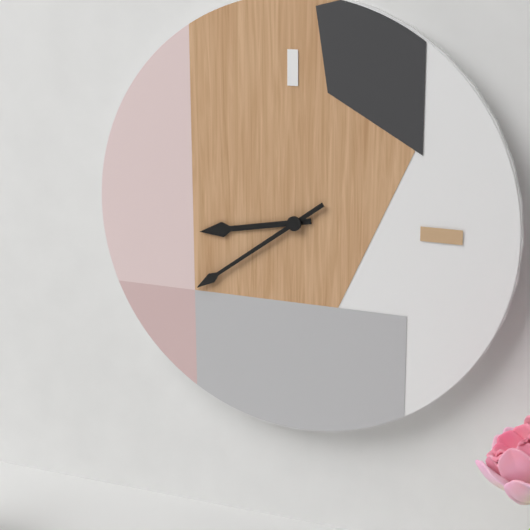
**8:39**
